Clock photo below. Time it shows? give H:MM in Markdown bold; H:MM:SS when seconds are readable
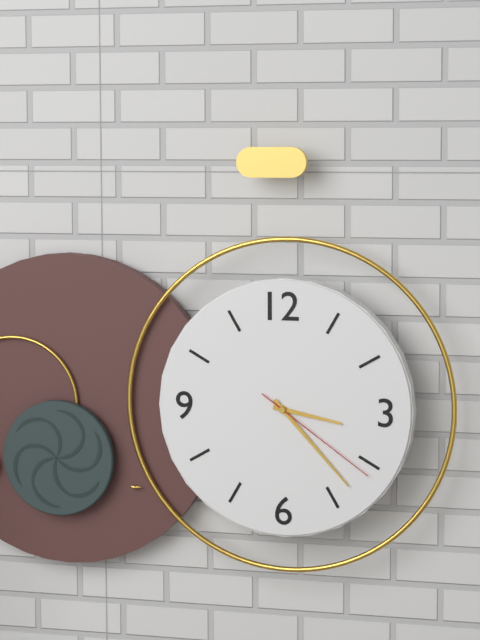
**3:23:21**
